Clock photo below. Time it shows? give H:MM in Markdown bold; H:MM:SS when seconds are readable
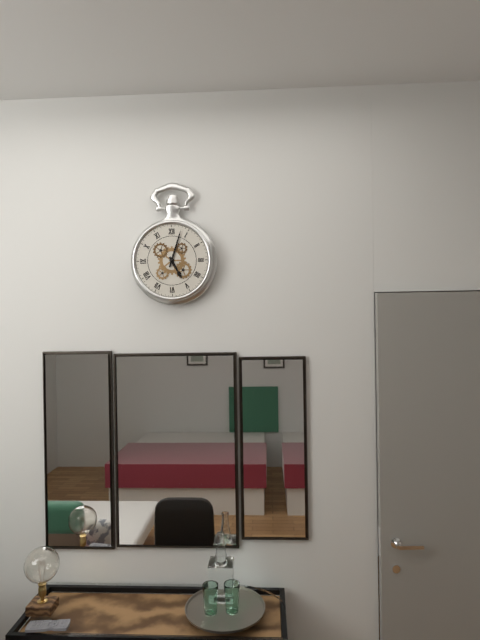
**5:03**
